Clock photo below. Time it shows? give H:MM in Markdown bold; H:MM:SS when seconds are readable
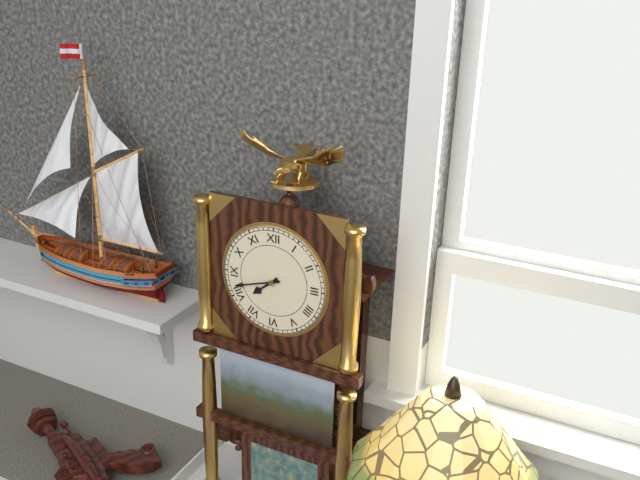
**7:42**
